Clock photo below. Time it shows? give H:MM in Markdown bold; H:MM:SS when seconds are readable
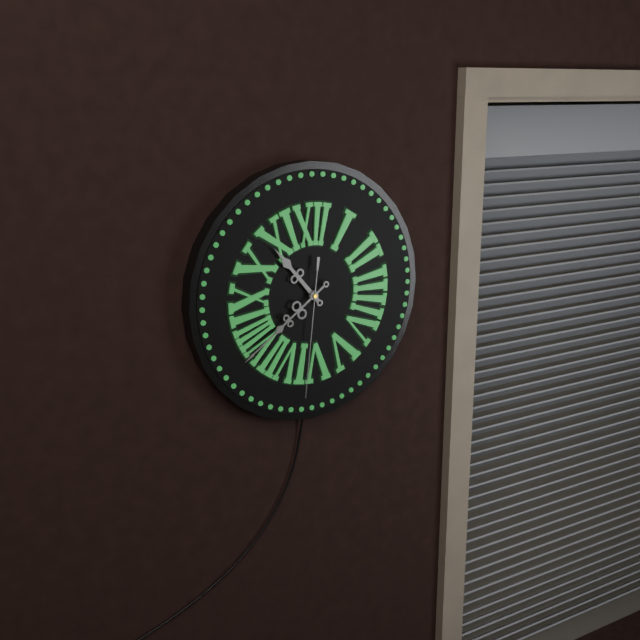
**10:39:31**
